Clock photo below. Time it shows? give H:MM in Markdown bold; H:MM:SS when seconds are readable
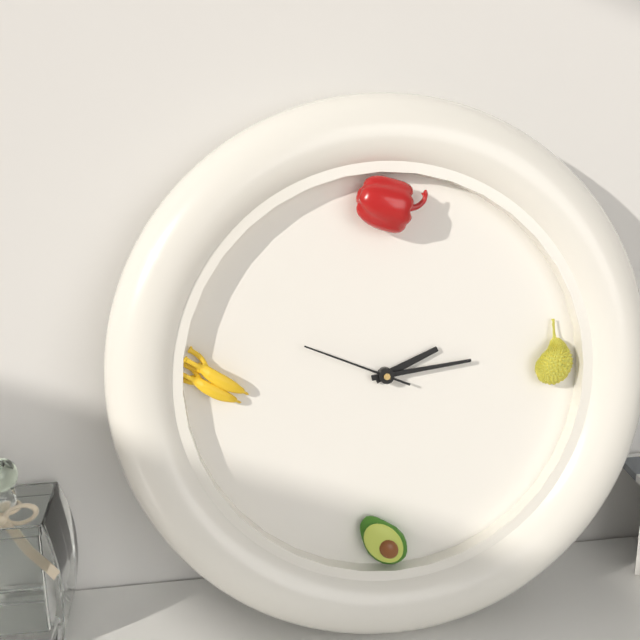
**2:14:49**
